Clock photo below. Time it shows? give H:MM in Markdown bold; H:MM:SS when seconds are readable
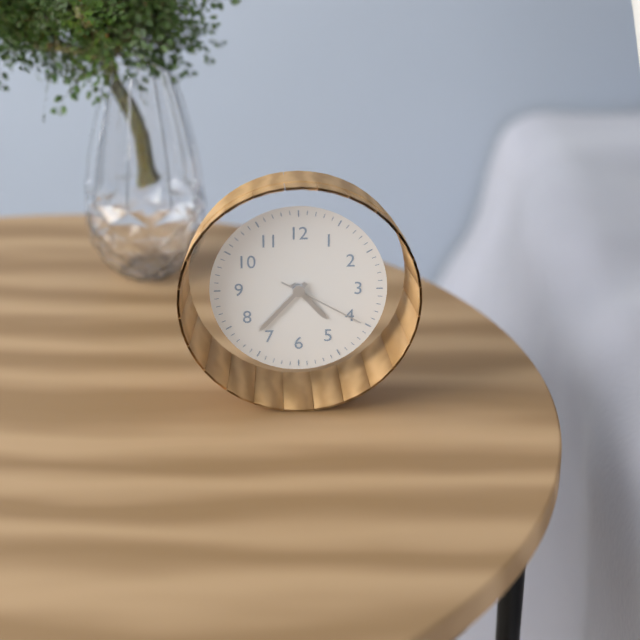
**4:37:20**
